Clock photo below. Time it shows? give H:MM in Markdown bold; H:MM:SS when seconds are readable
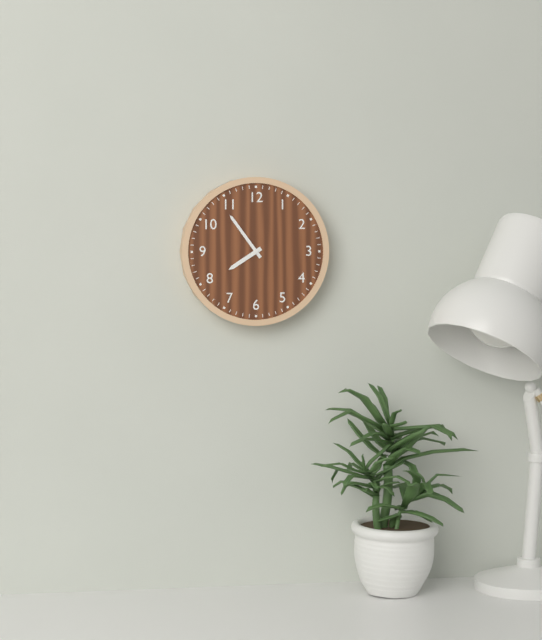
**7:54**
